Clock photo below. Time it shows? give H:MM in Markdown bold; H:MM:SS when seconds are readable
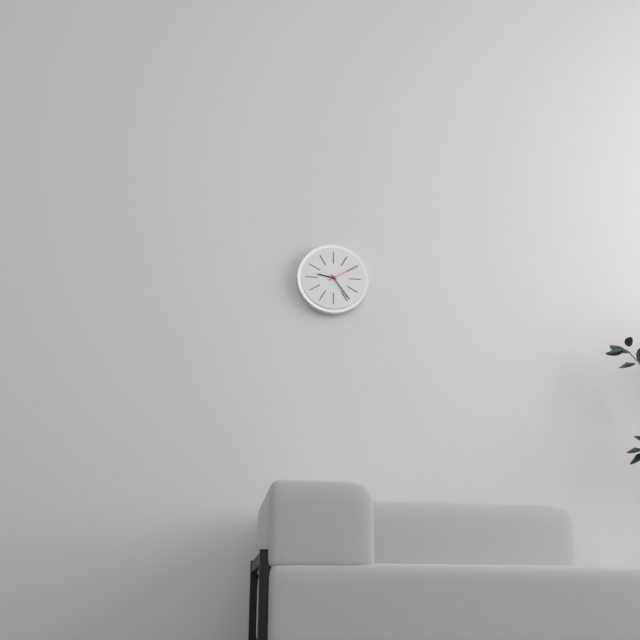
**9:24**
